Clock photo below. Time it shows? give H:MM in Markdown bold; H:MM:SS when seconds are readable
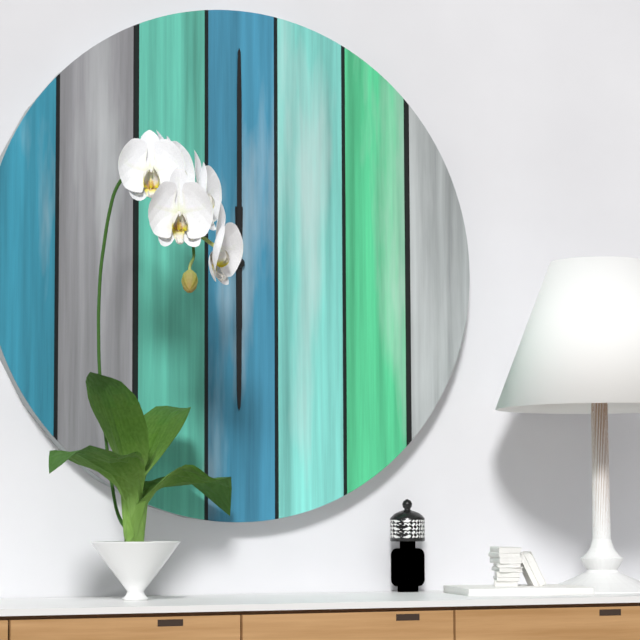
**6:00**
